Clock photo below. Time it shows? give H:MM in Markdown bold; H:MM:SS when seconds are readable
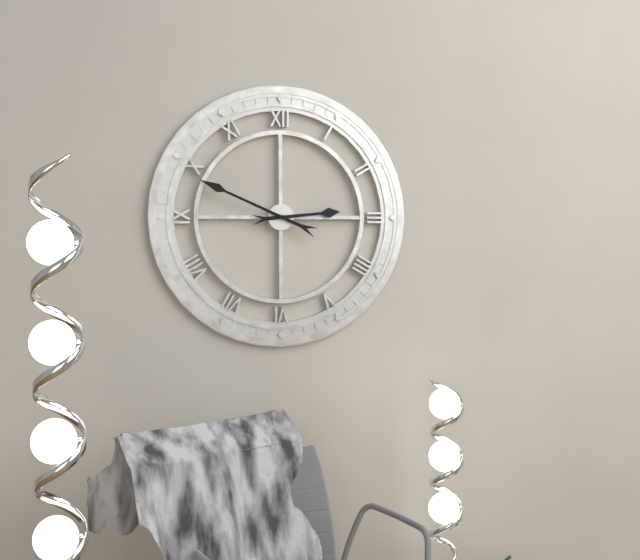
**2:49**
